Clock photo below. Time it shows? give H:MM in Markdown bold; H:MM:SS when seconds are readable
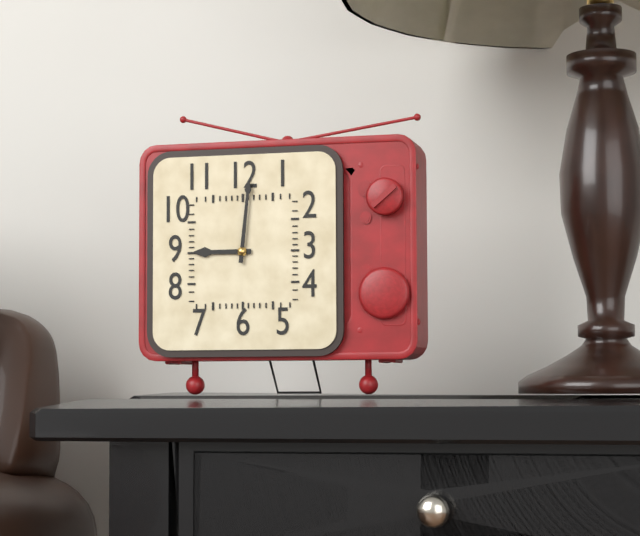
**9:01**
